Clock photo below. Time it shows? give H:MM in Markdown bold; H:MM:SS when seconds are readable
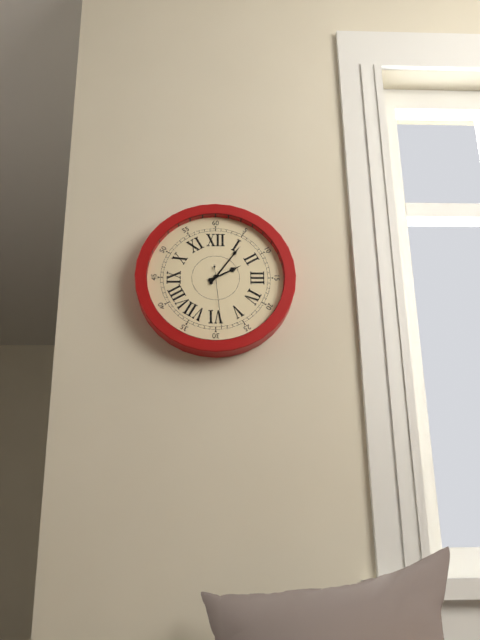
**2:06:29**
